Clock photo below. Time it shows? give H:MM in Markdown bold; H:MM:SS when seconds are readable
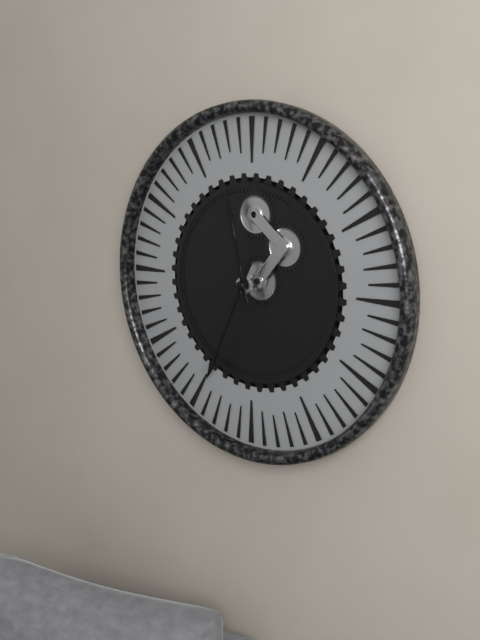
**11:34**
